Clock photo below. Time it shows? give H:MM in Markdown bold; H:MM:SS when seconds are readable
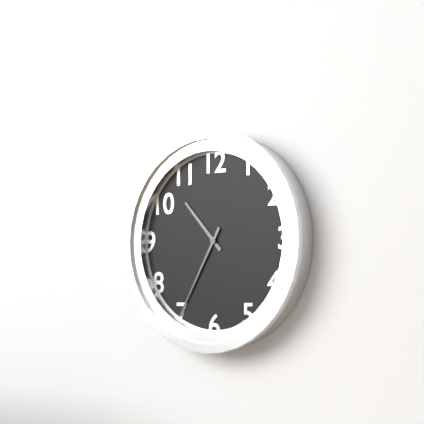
**10:35**
